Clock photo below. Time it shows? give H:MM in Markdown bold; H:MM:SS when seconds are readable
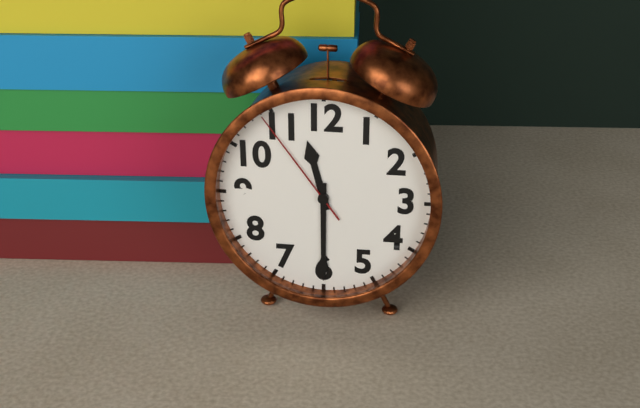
**11:30:54**
